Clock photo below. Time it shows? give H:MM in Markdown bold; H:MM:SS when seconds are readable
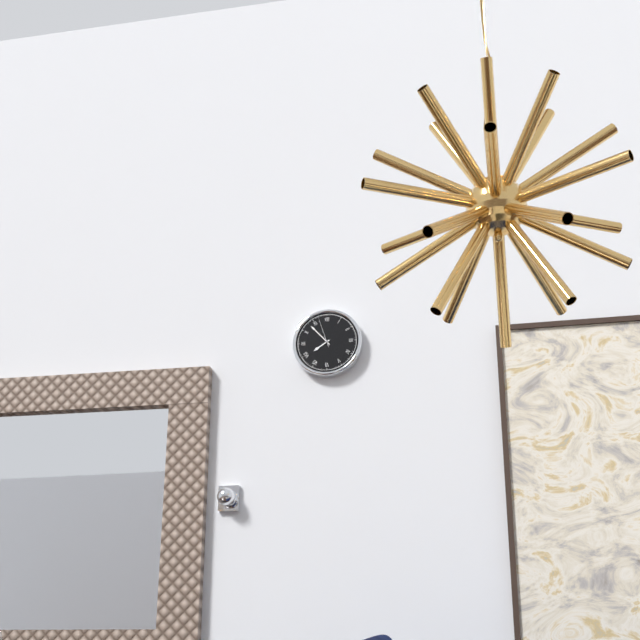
**7:53**
